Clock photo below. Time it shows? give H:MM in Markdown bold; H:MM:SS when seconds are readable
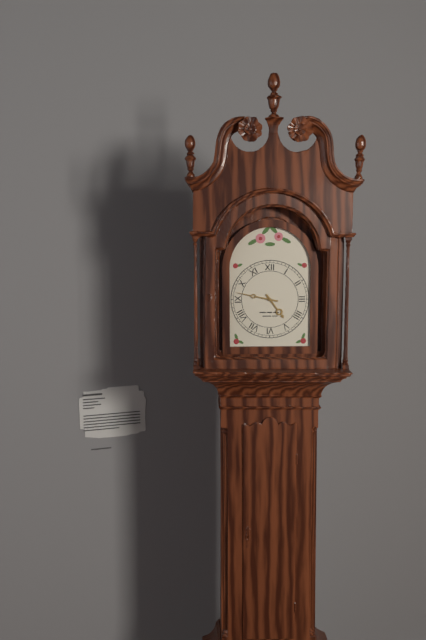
**4:47**
